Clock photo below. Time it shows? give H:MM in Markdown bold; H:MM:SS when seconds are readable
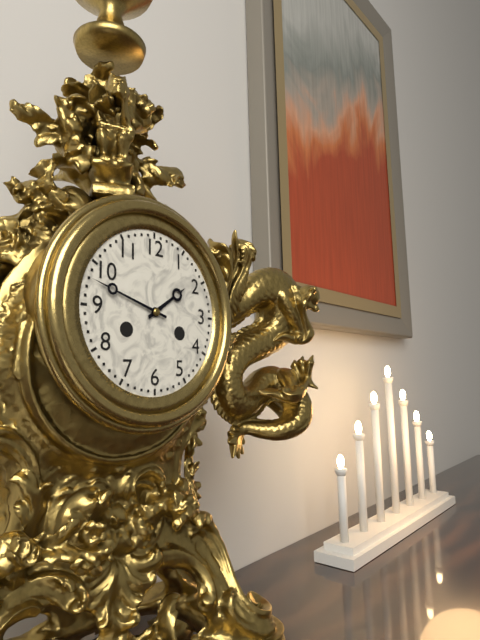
**1:48**
